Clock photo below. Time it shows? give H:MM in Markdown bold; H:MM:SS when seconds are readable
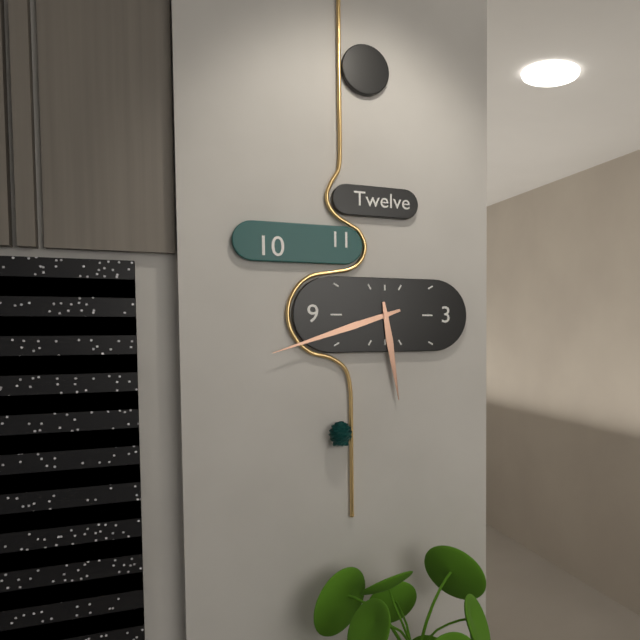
**5:42**
